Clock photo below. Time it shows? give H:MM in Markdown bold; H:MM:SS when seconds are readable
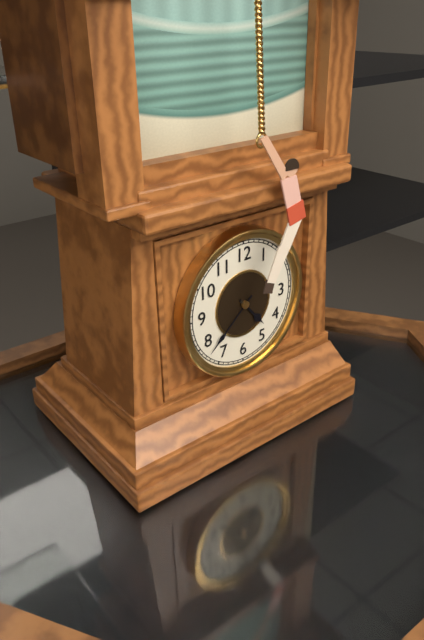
**4:38**
